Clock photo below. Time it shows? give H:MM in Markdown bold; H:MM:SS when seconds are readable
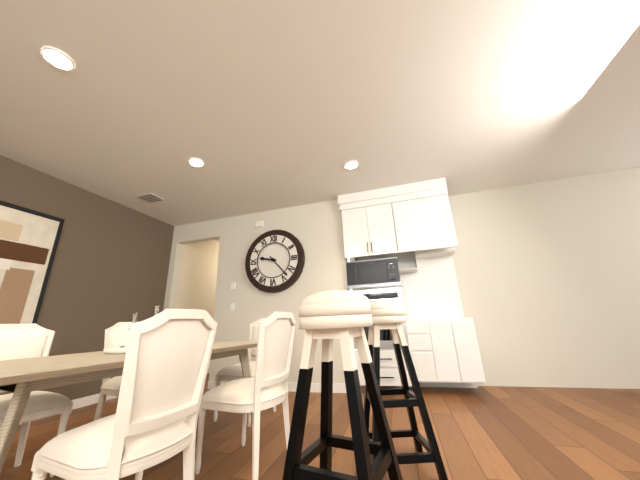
**9:23**
